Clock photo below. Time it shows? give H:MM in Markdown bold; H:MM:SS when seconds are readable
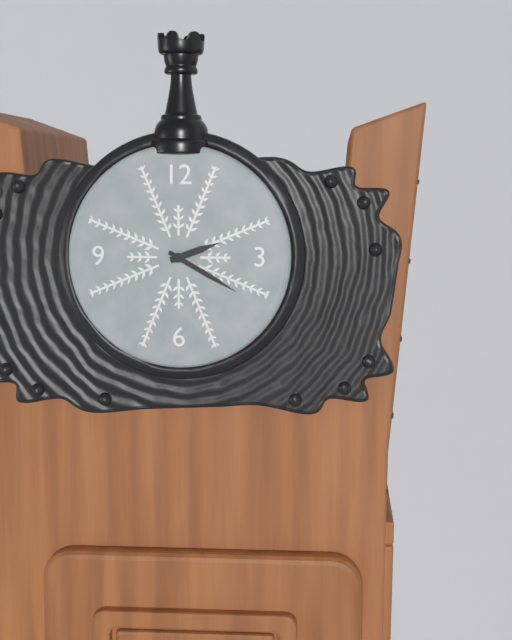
**2:20**
